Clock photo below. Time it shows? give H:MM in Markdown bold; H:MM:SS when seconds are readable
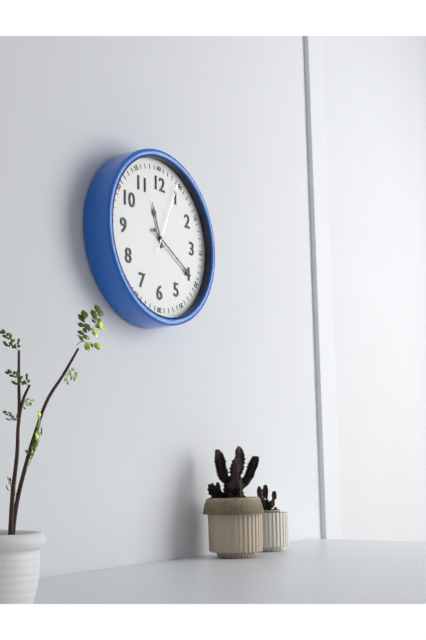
**11:20:04**
